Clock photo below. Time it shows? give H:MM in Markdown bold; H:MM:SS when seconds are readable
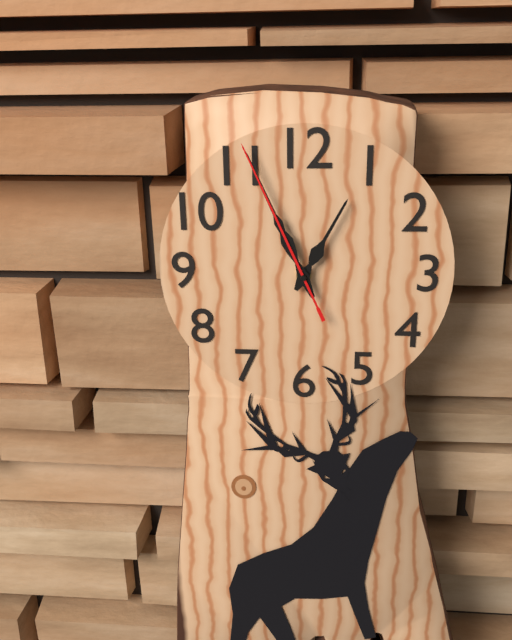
**12:56:56**
